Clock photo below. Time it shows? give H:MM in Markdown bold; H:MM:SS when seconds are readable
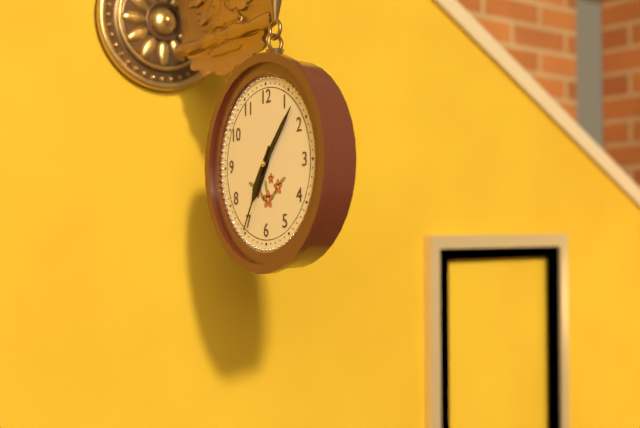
**7:07:35**
